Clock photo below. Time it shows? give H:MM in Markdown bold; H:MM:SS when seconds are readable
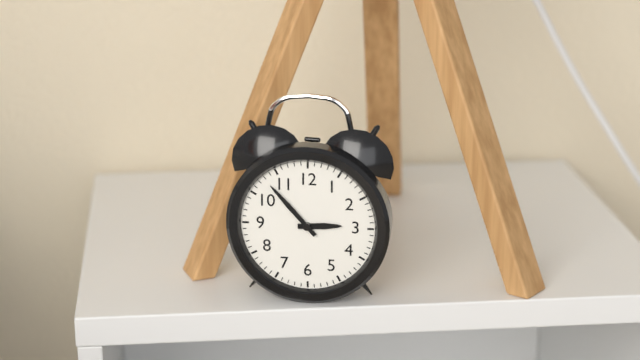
**2:53**
